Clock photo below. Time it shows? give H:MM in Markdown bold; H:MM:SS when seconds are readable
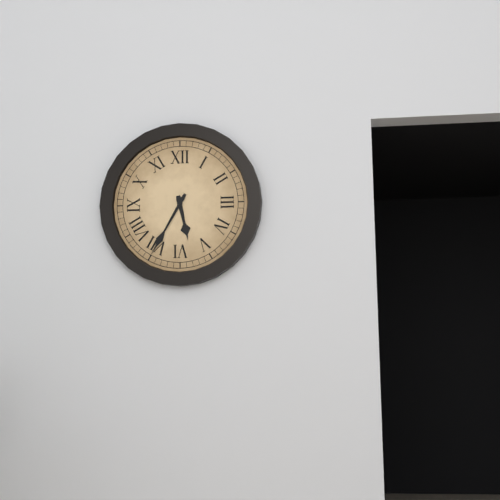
**5:35**
